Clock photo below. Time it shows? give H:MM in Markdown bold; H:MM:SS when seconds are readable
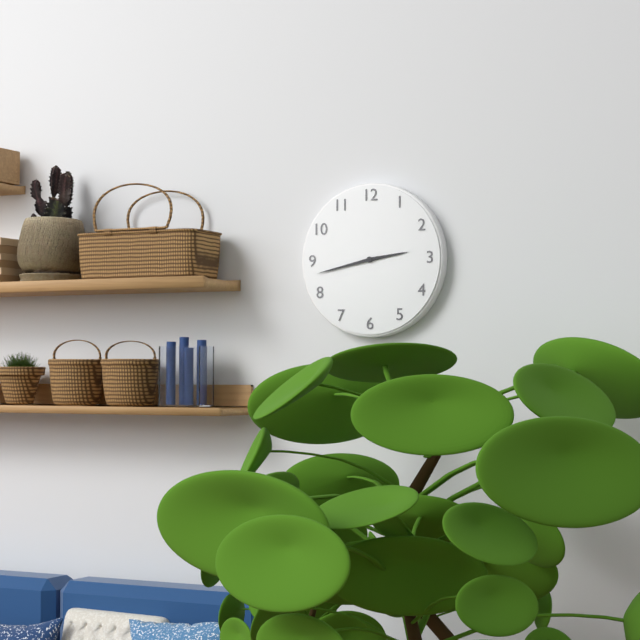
**2:43**
